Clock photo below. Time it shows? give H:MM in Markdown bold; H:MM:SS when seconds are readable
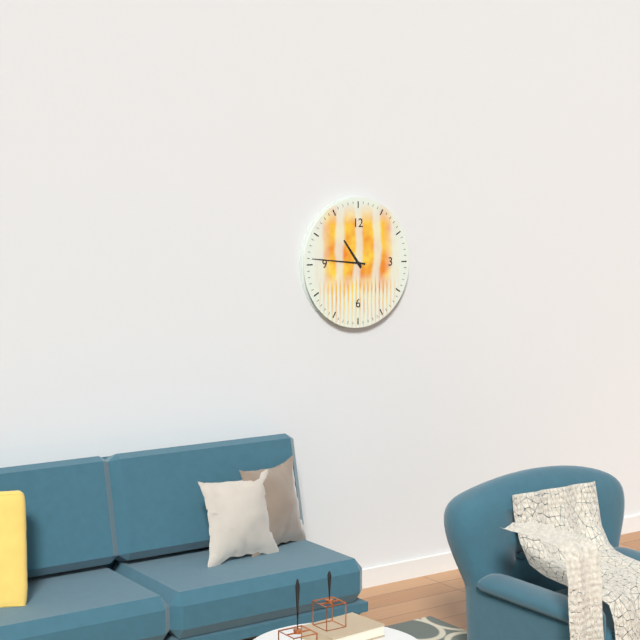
**10:46**
